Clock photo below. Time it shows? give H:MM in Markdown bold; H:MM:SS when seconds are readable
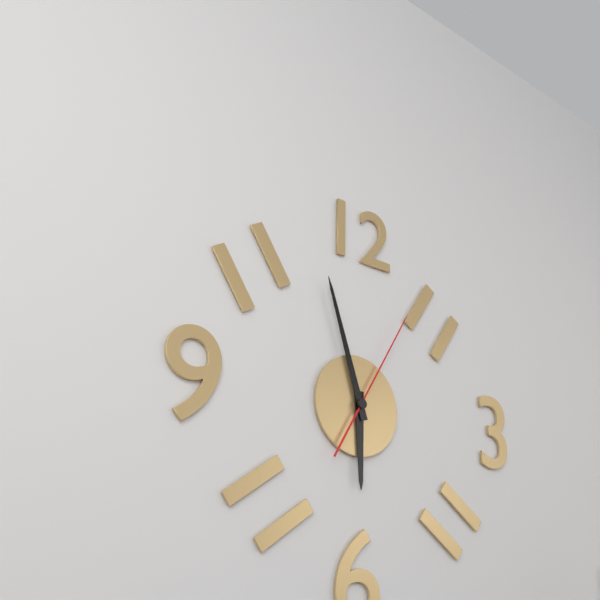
**5:57:05**
